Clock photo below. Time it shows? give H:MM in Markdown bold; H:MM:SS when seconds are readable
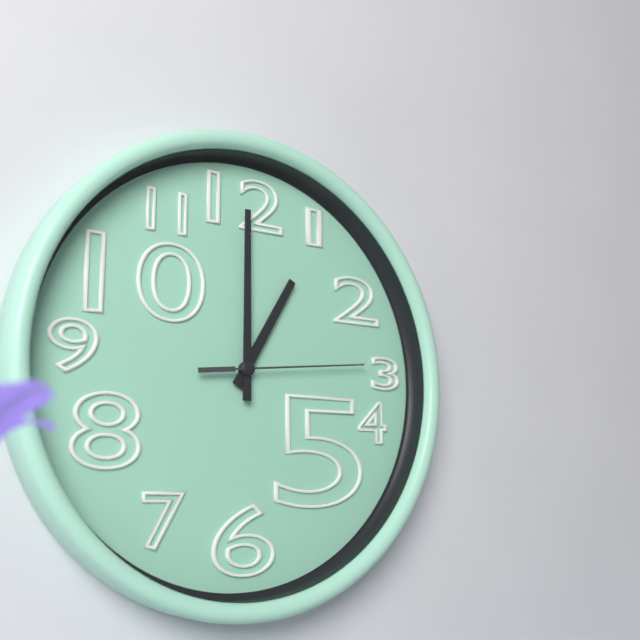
**1:00:14**
